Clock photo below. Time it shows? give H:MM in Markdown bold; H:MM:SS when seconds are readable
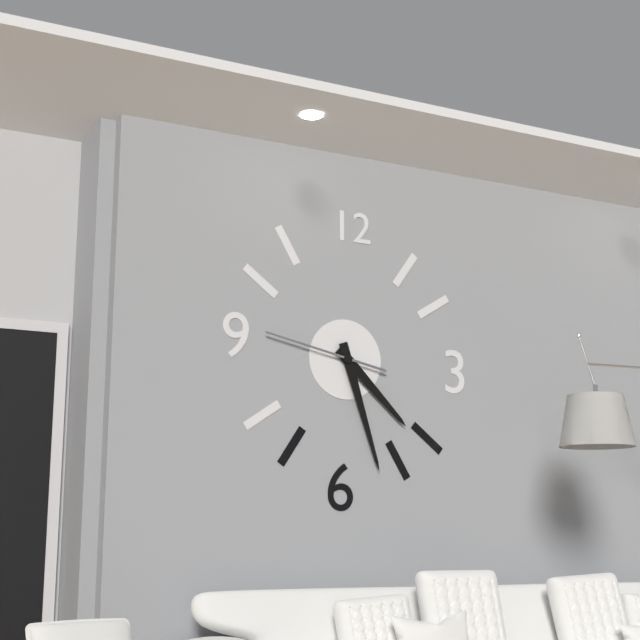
**4:27:47**
